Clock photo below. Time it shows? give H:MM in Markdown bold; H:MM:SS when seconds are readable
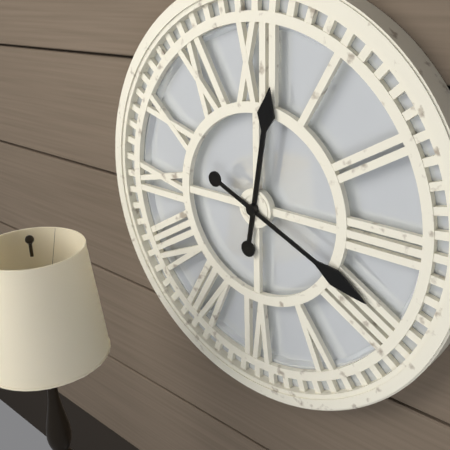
**12:19**
